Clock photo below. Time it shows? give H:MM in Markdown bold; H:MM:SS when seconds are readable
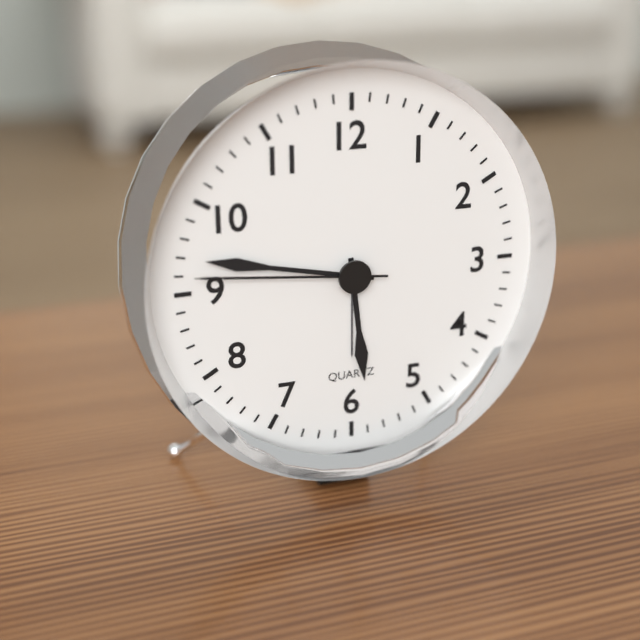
**5:47:46**
